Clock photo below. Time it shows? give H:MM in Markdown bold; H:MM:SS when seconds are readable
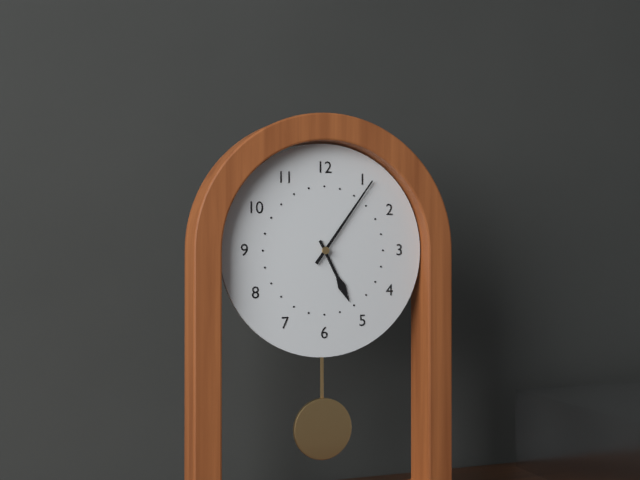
**5:06**
